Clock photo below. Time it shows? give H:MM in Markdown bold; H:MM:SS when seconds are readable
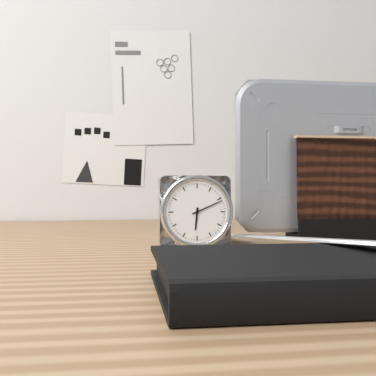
**6:11**
